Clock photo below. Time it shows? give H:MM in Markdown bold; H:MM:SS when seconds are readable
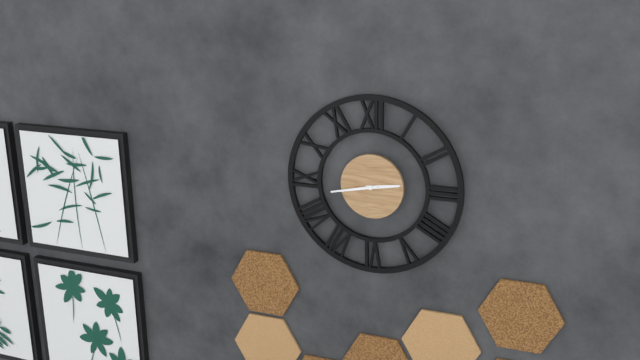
**2:43**
